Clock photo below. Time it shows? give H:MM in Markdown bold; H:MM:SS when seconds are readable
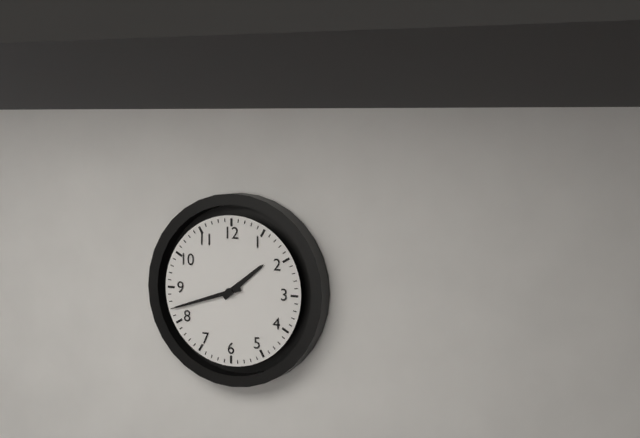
**1:42**
